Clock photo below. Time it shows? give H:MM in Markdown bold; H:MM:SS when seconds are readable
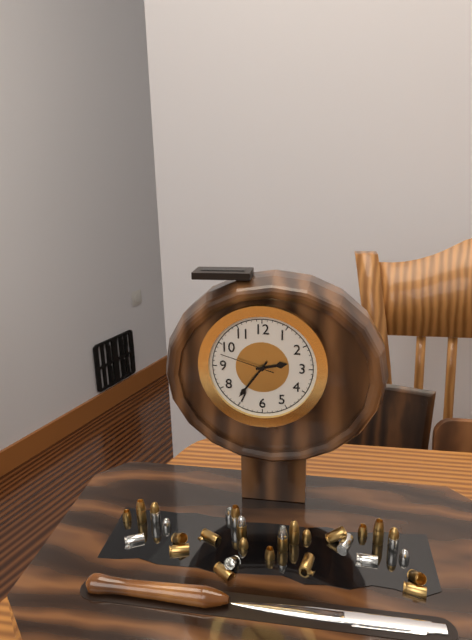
**2:36:48**
